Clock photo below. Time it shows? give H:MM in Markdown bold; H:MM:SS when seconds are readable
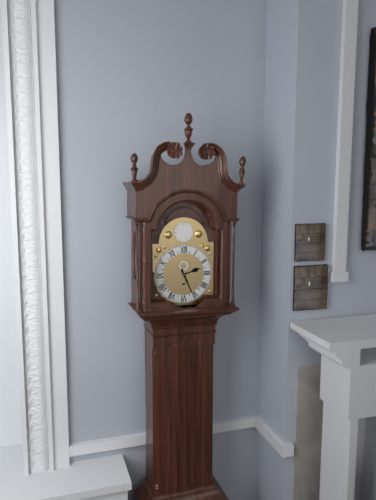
**2:26**
